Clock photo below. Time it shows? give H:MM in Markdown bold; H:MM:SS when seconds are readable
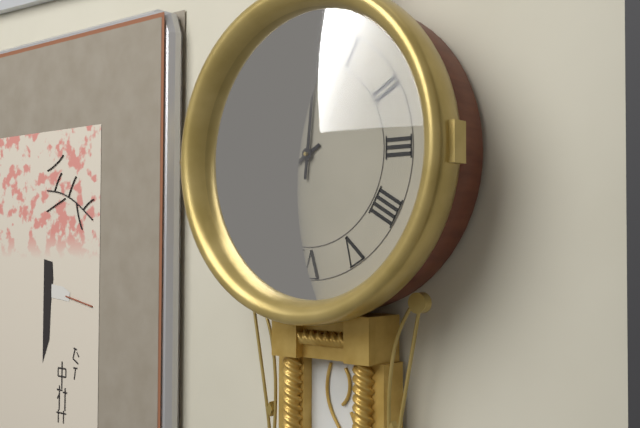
**8:01**
